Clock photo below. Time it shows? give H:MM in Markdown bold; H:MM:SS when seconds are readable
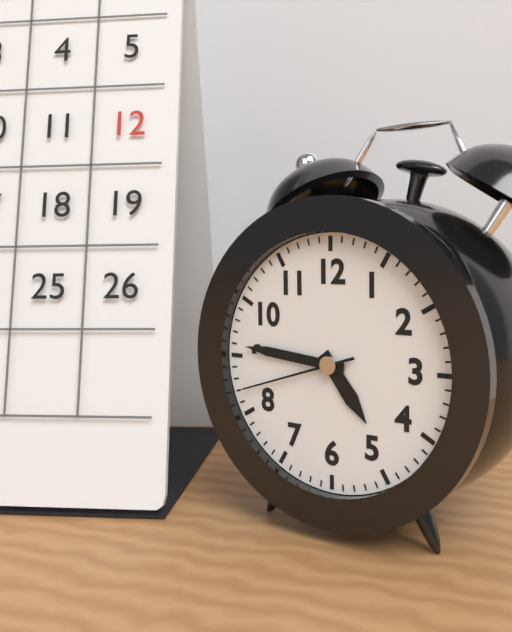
**4:46:42**
